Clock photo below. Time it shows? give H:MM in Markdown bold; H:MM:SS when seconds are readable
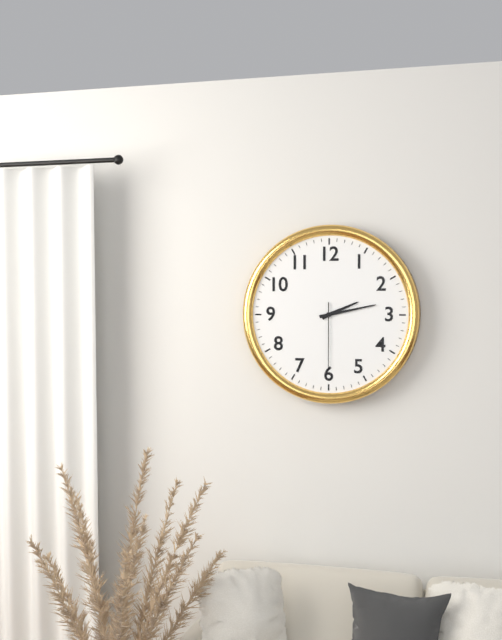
**2:13:30**
